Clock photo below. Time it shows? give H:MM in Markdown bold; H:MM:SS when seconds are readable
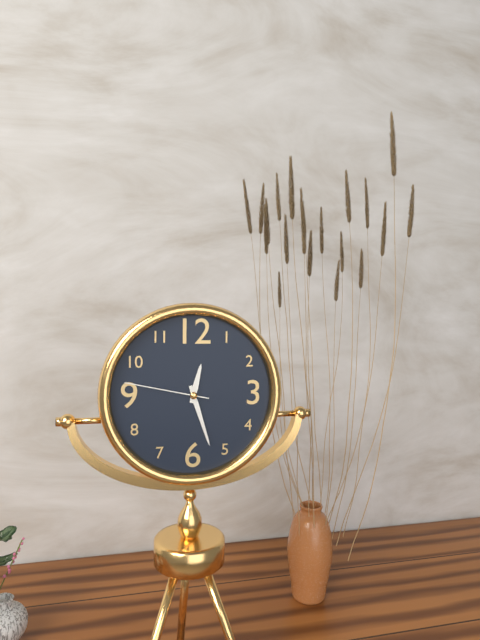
**12:27:47**
